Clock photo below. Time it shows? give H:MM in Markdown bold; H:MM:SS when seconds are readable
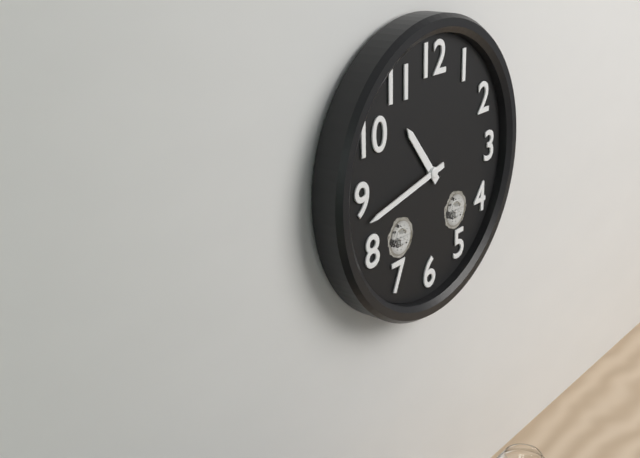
**10:43**
